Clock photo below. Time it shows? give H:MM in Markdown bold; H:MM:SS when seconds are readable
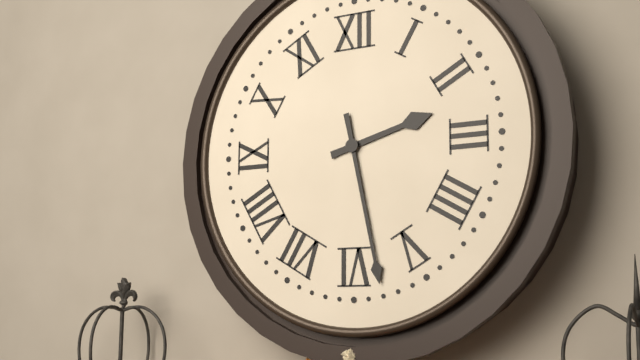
**2:28**
